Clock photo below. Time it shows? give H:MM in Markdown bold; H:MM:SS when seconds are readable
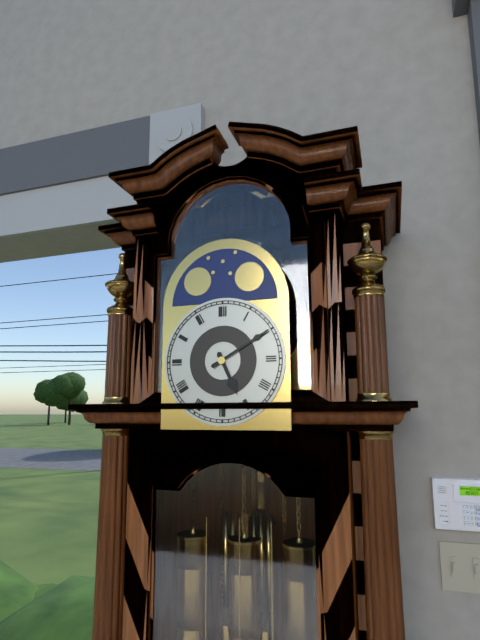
**5:10**
